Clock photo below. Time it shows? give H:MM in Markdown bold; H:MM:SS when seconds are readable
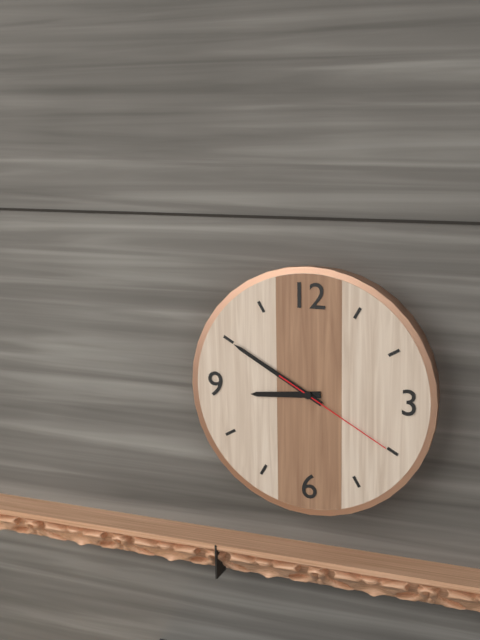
**8:50:20**
